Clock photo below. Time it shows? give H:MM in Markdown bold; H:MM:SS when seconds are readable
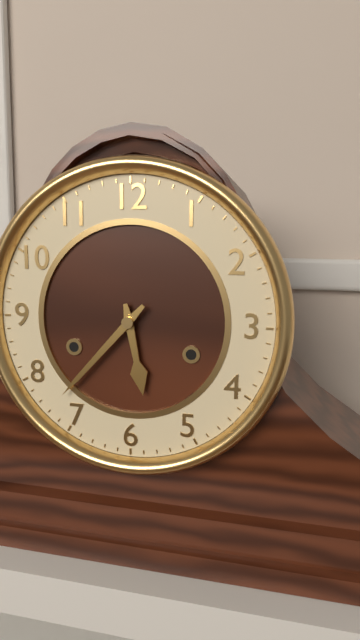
**5:37**
